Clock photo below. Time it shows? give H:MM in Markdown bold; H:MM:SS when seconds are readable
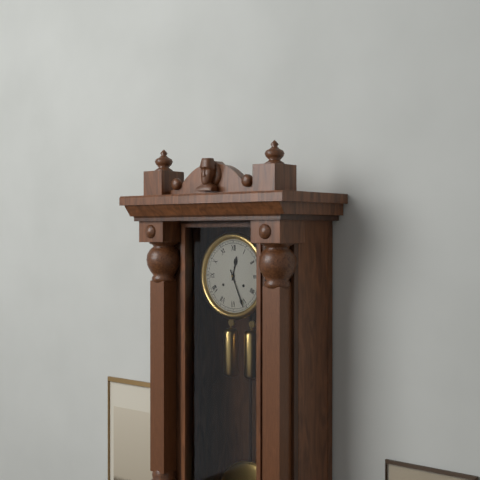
**12:26**
